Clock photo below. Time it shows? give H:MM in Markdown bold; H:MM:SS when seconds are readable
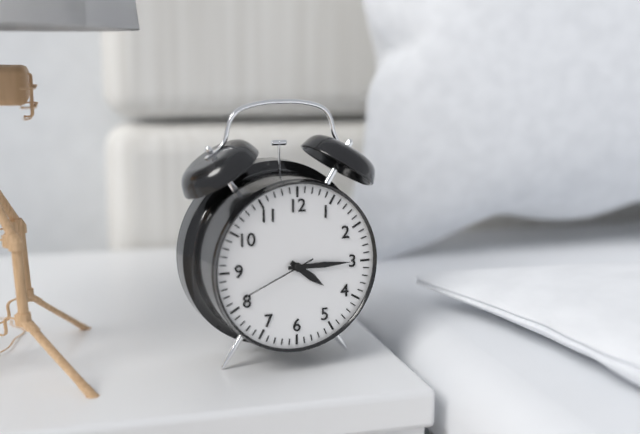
**4:15:41**
